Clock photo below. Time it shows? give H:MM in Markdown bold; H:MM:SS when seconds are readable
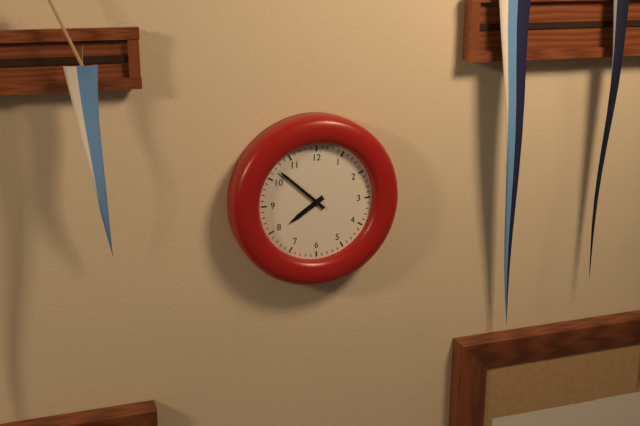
**7:52**
